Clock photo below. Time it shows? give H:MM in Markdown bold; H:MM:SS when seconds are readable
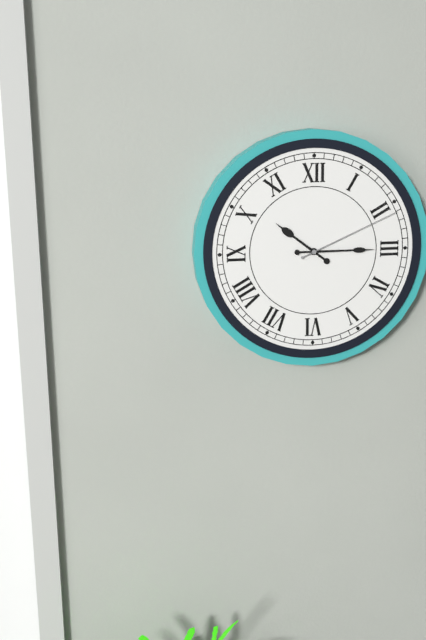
**10:15:11**
